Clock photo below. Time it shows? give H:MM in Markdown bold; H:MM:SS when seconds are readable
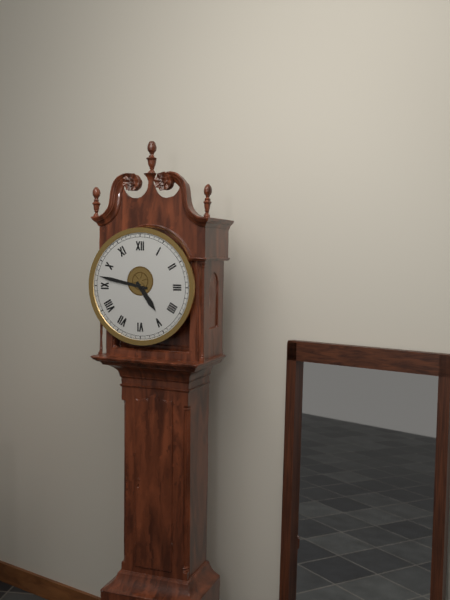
**4:47**
